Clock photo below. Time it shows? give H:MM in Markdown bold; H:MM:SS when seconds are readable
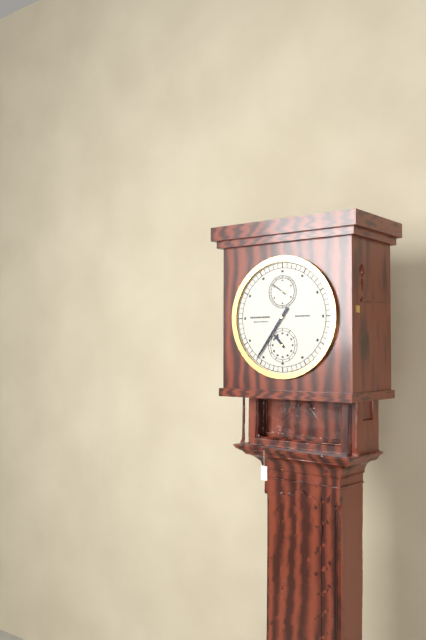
**10:36**
